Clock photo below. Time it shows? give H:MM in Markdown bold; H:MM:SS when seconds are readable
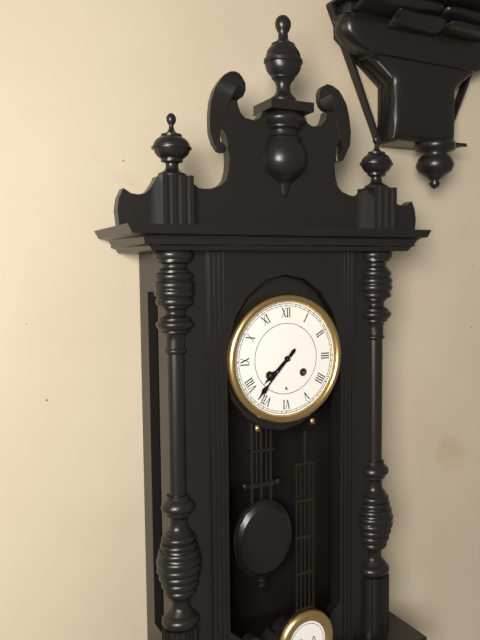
**7:37**
